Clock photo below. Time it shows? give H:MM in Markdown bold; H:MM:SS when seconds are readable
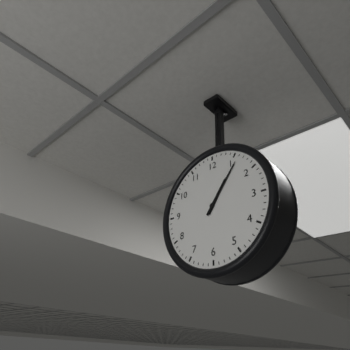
**1:06**
